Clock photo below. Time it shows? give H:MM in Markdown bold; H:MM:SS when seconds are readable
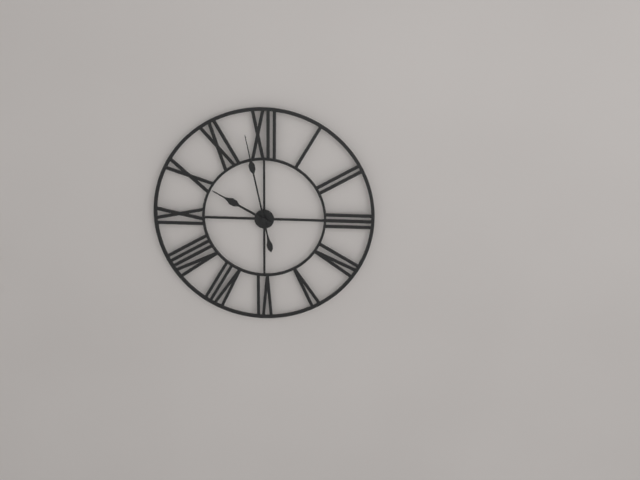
**9:58**
